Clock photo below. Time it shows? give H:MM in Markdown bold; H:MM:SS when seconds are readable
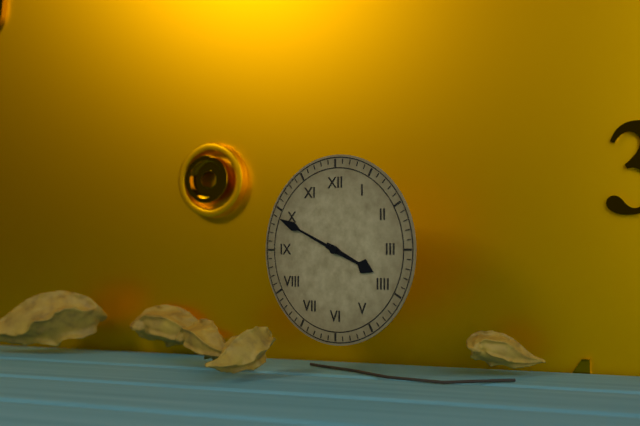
**3:49**
